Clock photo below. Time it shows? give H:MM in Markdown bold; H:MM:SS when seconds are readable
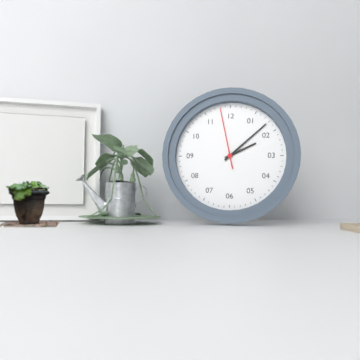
**2:08:58**
